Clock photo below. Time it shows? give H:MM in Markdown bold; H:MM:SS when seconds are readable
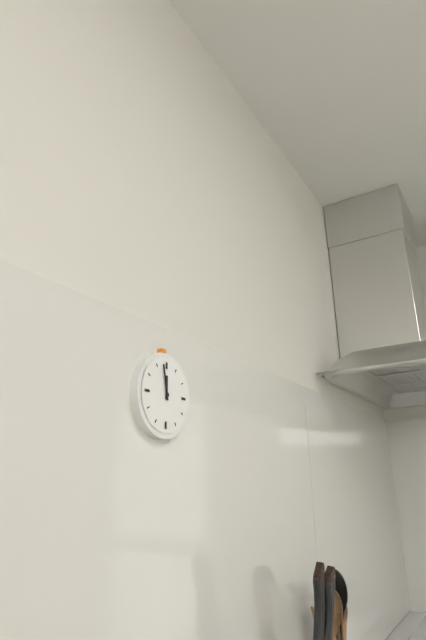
**11:58**
